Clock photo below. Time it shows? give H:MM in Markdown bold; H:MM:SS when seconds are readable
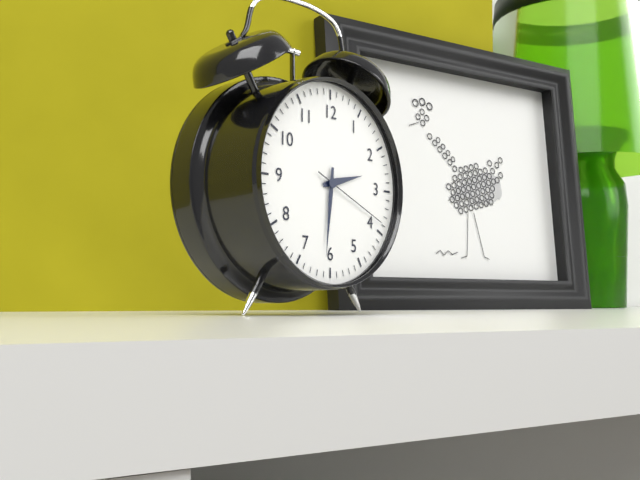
**2:31:19**
